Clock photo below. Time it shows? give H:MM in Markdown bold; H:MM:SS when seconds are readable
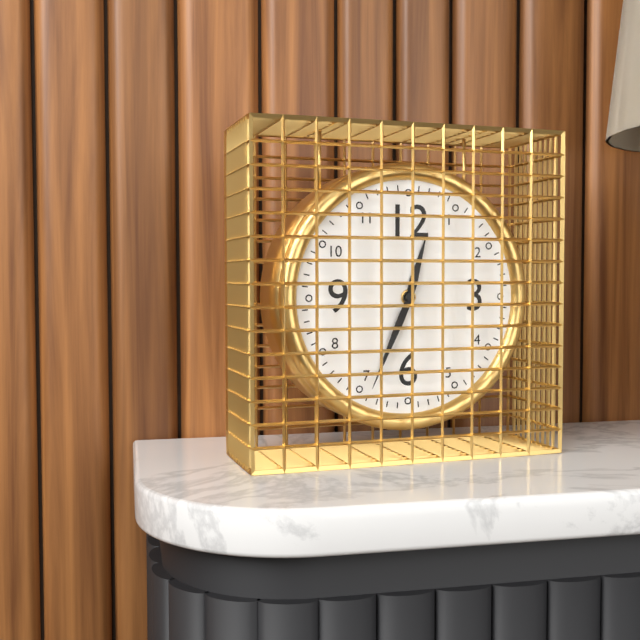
**12:34**
